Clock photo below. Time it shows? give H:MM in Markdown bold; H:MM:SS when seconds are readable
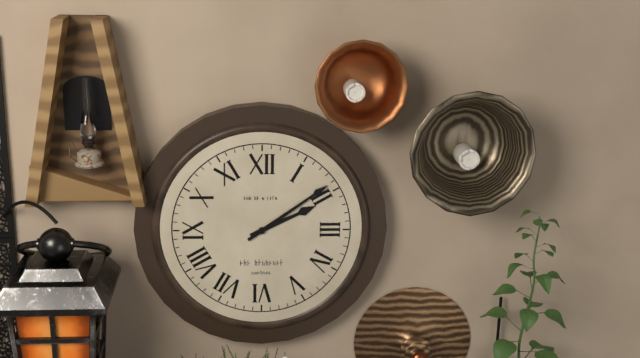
**2:09**
